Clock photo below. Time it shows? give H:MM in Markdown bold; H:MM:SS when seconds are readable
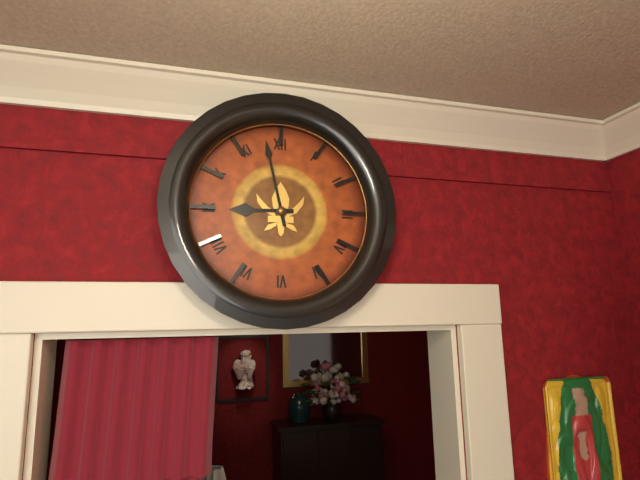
**8:58**
